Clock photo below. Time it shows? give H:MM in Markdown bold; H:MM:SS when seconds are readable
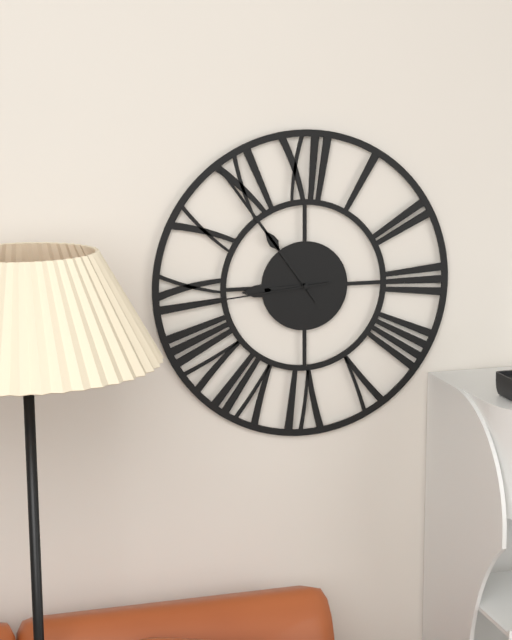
**8:54:44**
